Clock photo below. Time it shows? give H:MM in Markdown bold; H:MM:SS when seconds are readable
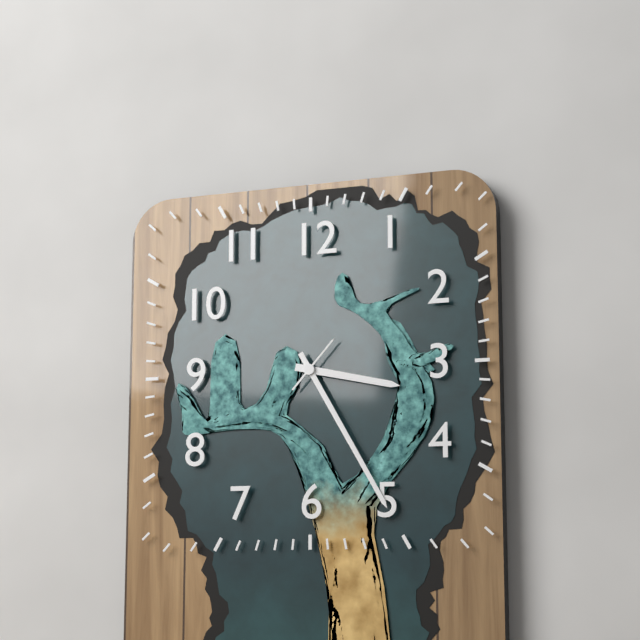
**3:25**
